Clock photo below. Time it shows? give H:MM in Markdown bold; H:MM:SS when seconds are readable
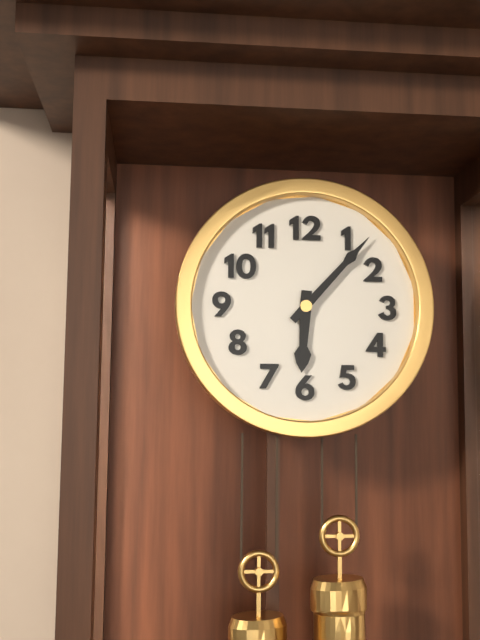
**6:07**
